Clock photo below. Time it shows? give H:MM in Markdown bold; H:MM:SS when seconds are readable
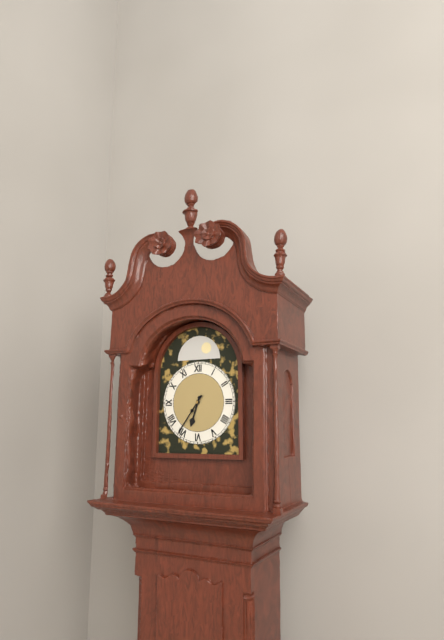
**6:36**
